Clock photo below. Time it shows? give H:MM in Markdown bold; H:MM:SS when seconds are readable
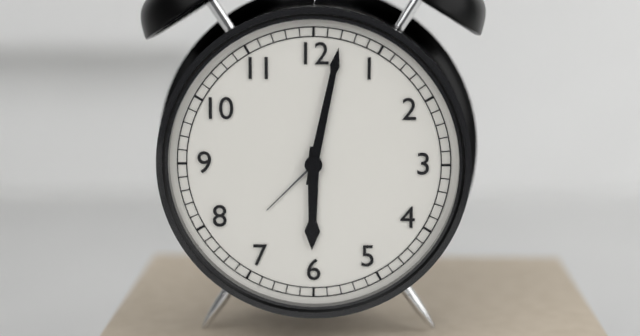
**6:02**
